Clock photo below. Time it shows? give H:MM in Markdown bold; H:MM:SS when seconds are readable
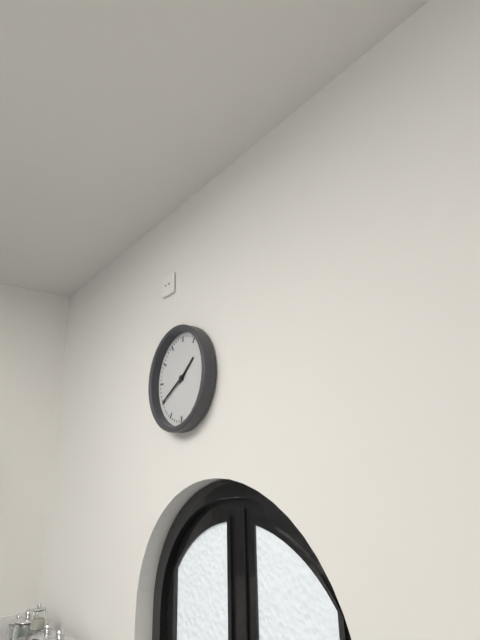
**1:40**
